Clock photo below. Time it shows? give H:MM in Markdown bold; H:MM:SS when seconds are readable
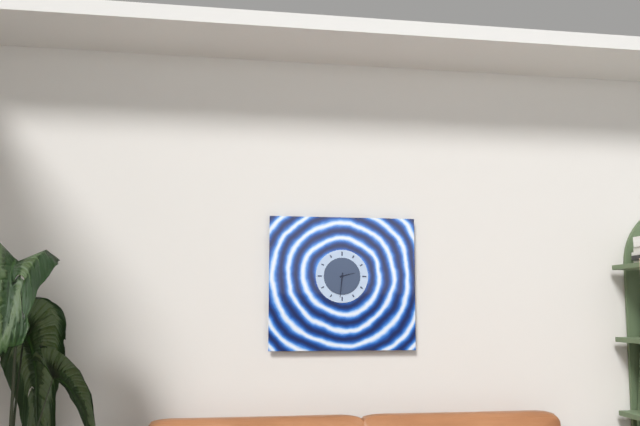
**2:31**
